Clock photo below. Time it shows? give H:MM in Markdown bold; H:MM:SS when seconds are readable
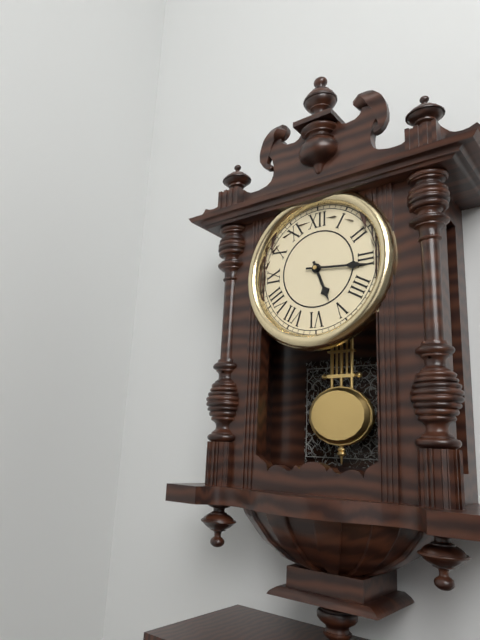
**5:16**
